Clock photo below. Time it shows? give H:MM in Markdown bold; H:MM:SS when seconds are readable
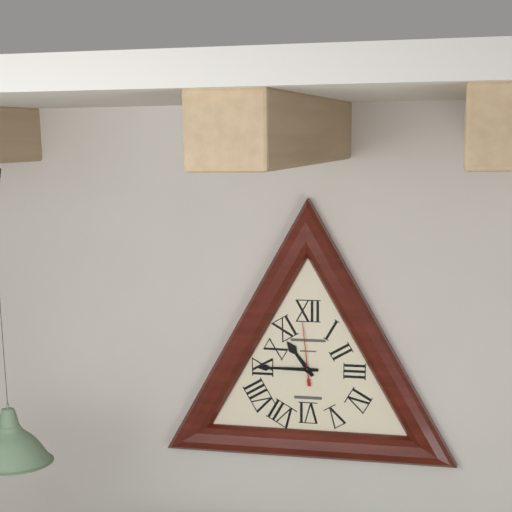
**10:45:59**
